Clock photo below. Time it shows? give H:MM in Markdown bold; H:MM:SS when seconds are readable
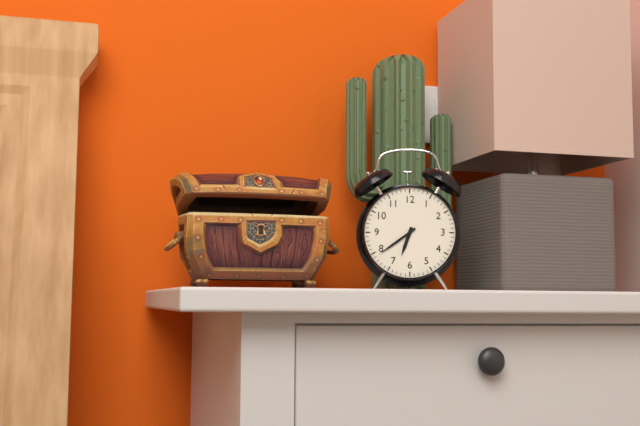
**6:39**
